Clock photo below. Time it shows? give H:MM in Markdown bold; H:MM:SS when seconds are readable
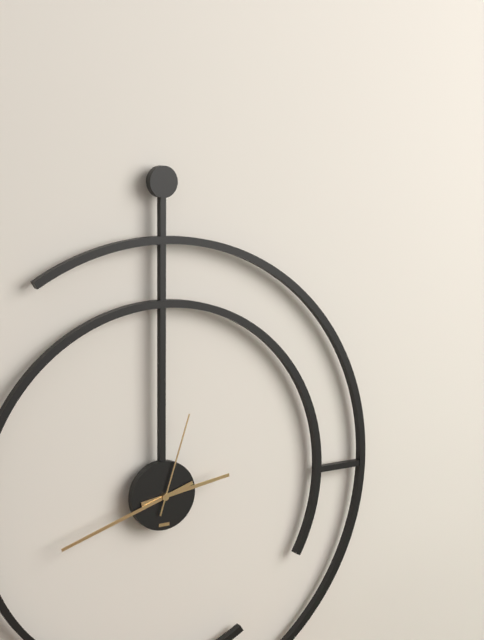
**2:42:03**
